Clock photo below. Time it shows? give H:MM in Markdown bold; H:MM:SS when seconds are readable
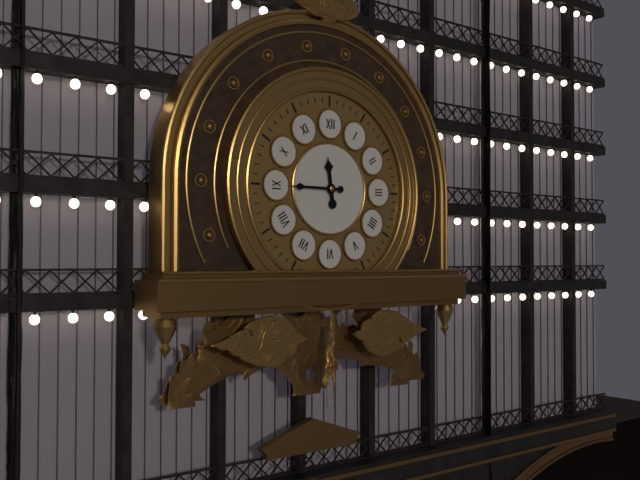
**11:45**
